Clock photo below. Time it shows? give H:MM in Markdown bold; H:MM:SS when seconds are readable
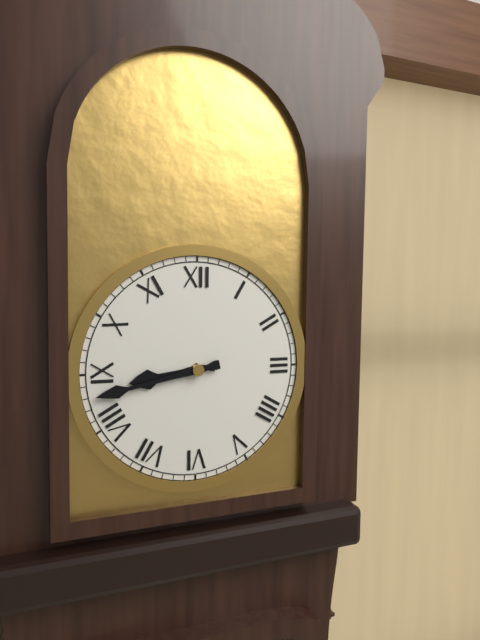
**8:43**
